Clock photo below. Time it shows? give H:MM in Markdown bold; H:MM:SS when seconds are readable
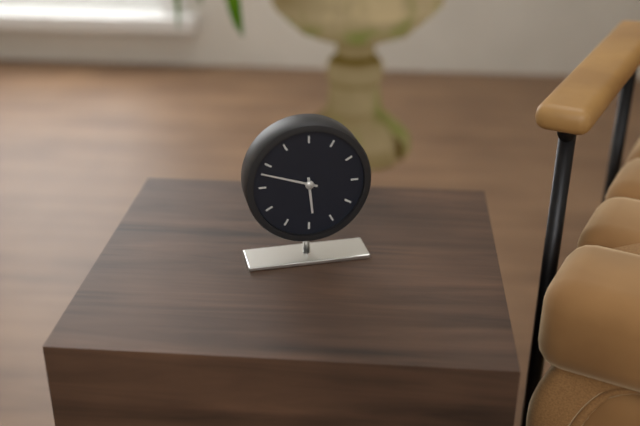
**5:48**
